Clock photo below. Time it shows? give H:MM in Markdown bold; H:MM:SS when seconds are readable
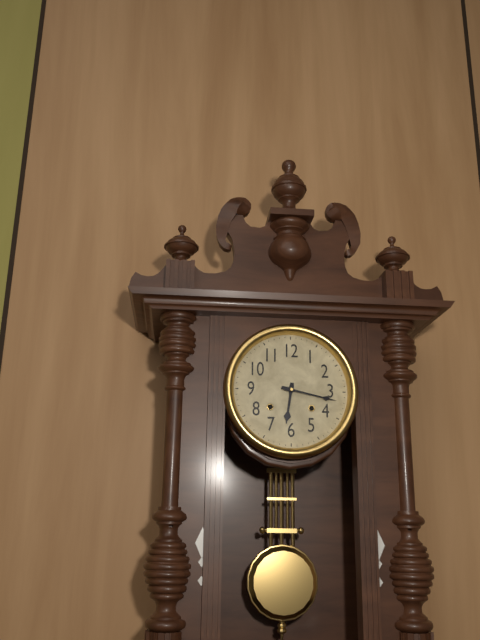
**6:17**
